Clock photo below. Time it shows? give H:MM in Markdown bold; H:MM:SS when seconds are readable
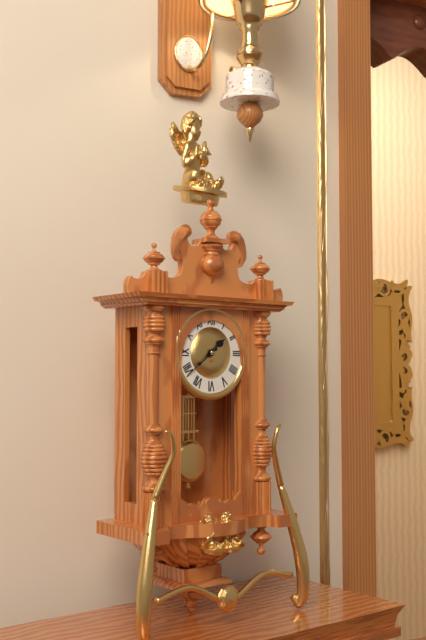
**1:39**
